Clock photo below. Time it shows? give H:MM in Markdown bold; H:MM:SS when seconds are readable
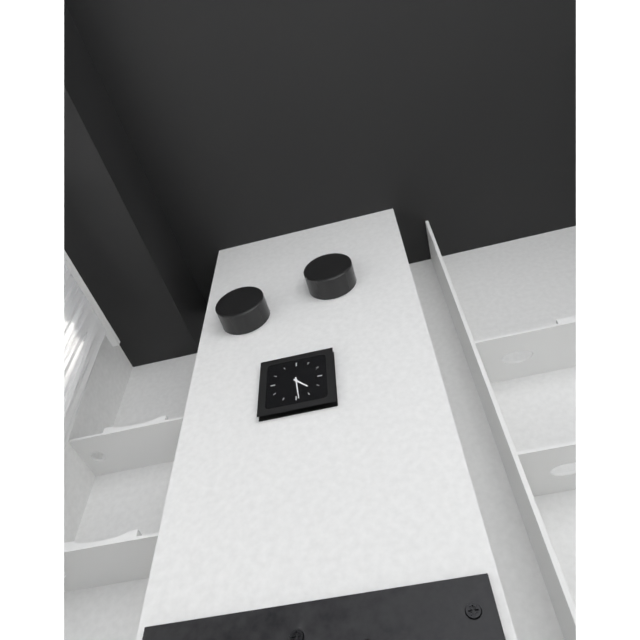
**4:29**
